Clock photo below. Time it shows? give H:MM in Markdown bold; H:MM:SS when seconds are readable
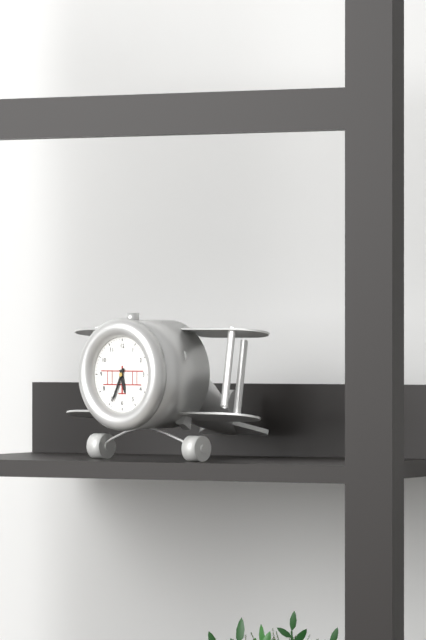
**5:34**
